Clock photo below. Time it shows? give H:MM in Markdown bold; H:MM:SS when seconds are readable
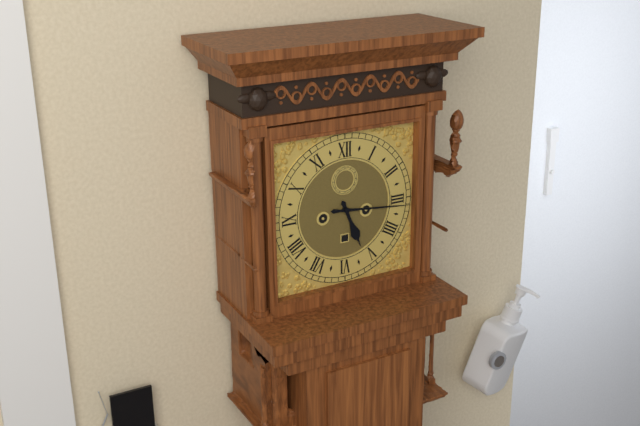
**5:16**
